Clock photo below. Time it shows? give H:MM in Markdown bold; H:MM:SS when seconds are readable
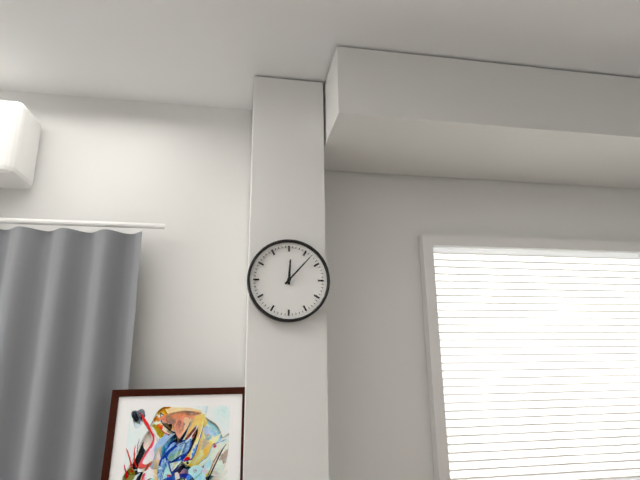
**12:07**
